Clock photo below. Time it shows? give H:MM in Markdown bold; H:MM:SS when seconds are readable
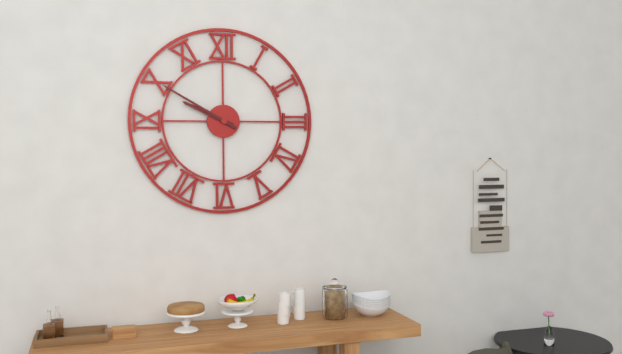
**9:50**
